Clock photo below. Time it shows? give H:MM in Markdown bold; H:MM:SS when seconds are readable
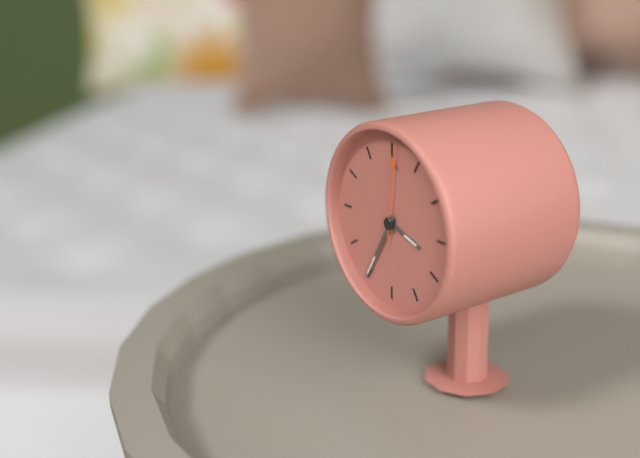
**3:35:01**
